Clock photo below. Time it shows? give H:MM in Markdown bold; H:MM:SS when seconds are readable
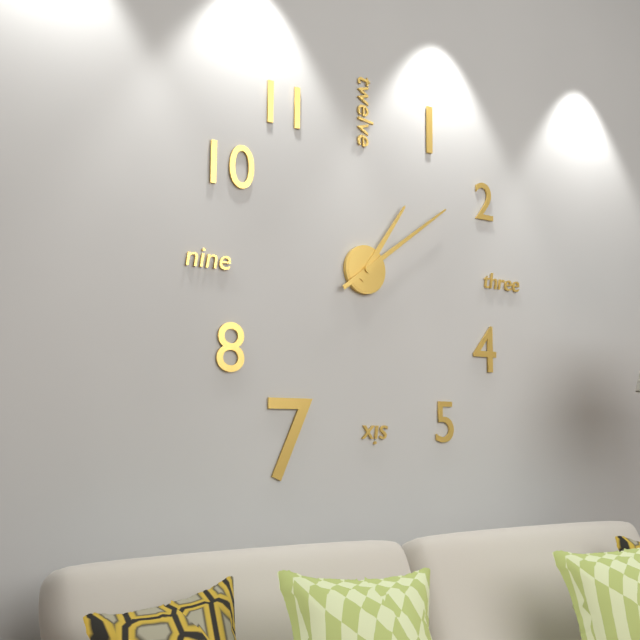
**1:09**
